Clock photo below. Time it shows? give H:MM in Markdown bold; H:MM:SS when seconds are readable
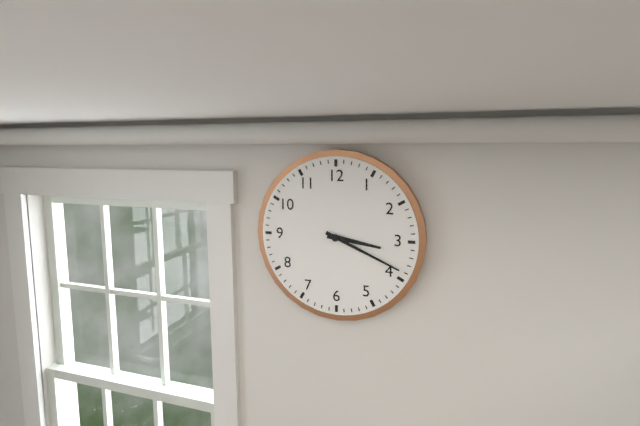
**3:19**
